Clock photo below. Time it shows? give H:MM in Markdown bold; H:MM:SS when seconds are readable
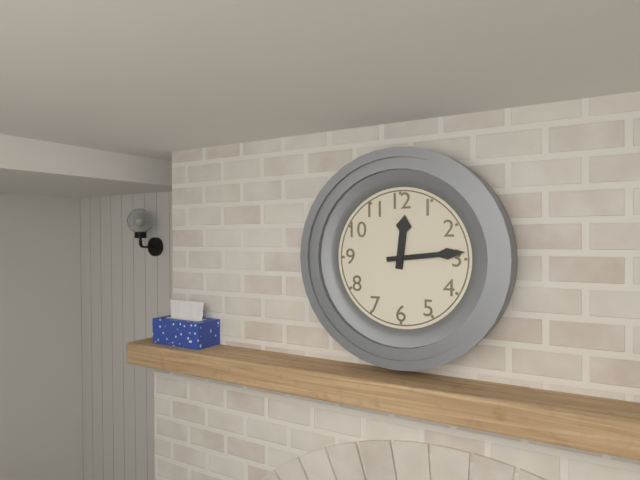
**12:14**
